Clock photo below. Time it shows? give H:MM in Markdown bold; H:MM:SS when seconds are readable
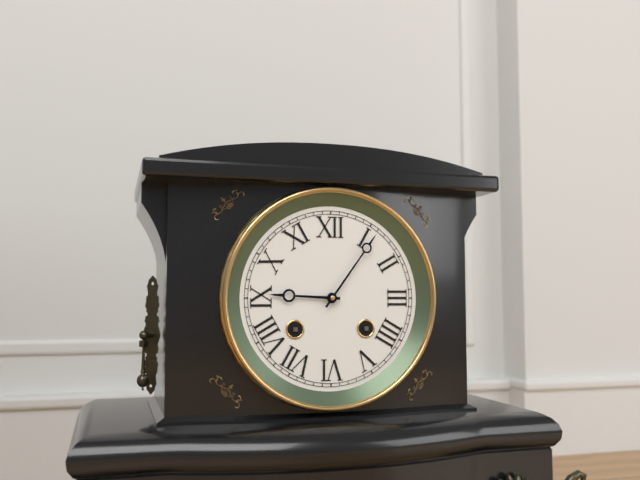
**9:06**
